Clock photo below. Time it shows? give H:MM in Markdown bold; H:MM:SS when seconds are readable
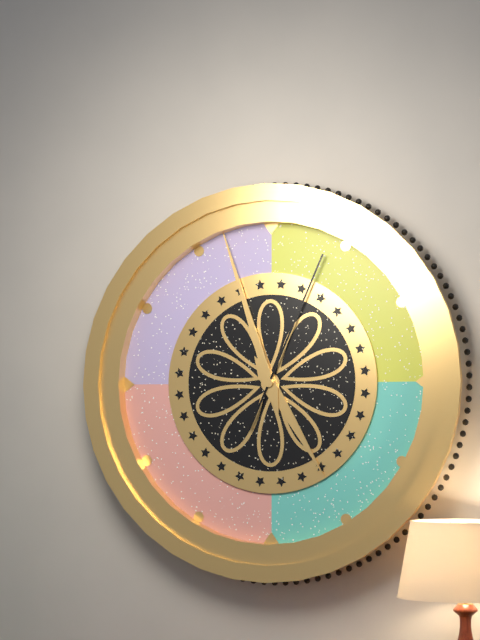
**4:57:04**
